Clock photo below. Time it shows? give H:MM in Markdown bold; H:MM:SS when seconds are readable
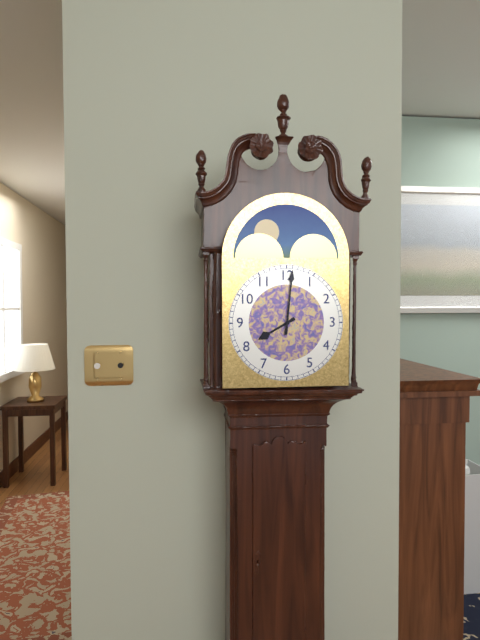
**8:01**
